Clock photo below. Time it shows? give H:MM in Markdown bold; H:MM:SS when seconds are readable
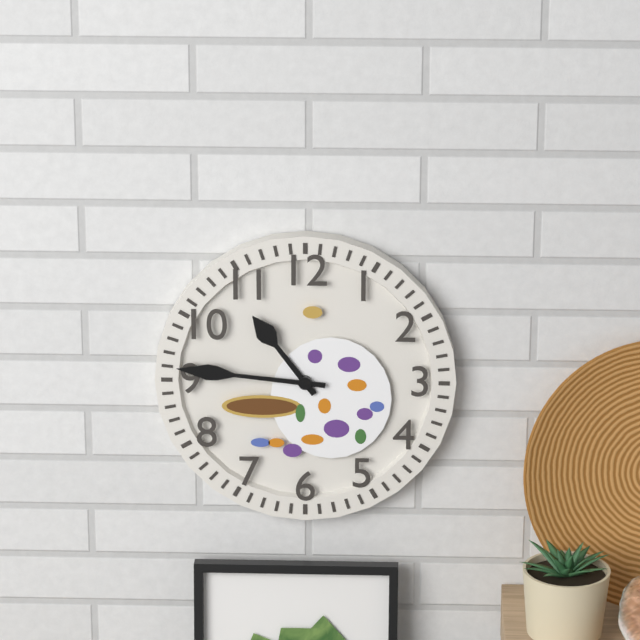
**10:46**
